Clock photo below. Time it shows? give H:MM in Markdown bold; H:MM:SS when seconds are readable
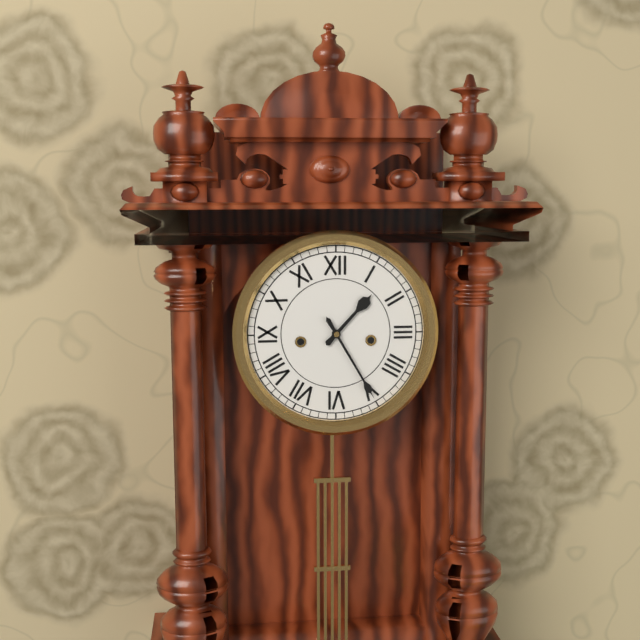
**1:25**
